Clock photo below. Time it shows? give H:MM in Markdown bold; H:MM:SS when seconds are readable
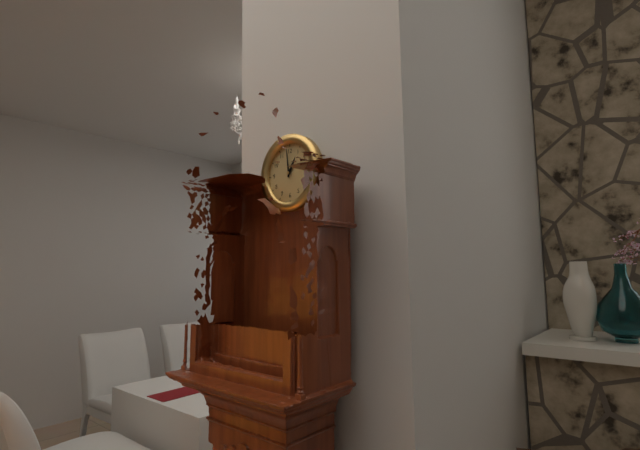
**12:59**
